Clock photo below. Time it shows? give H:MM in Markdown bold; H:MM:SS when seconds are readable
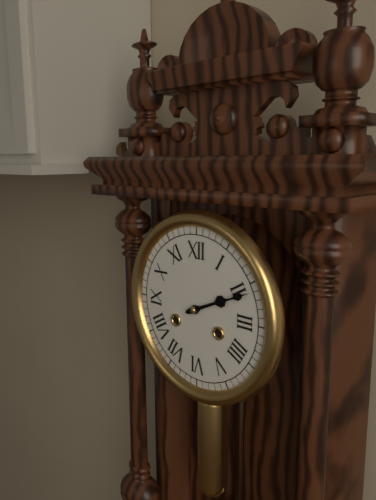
**2:11**
